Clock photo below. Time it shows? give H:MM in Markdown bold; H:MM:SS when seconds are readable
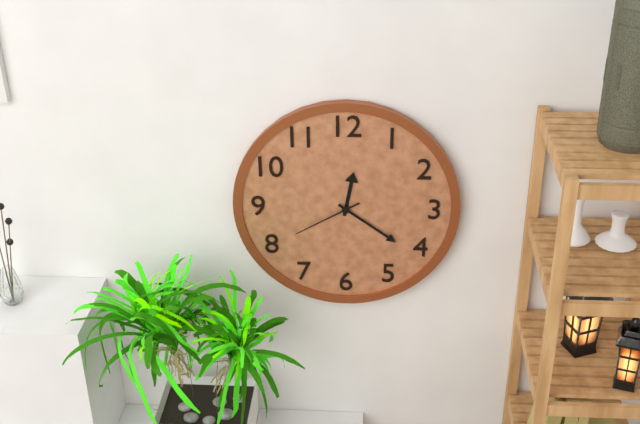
**12:21:40**
